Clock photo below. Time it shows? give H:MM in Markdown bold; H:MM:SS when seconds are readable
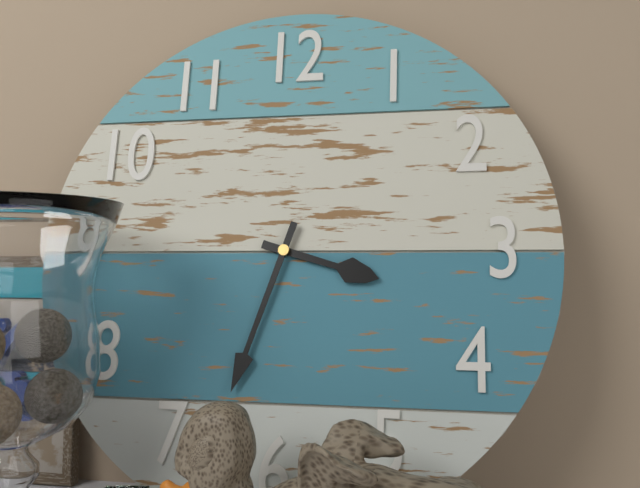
**3:33**
